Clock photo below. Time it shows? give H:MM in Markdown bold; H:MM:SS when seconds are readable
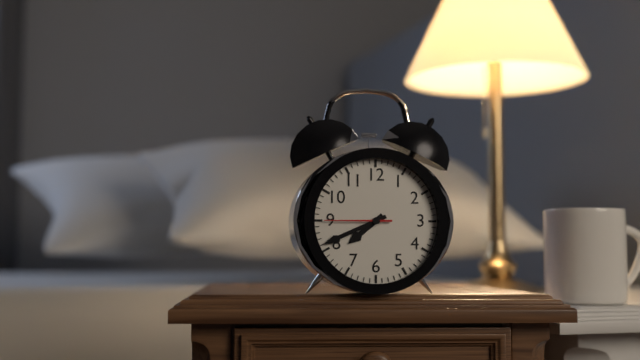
**7:41:45**
